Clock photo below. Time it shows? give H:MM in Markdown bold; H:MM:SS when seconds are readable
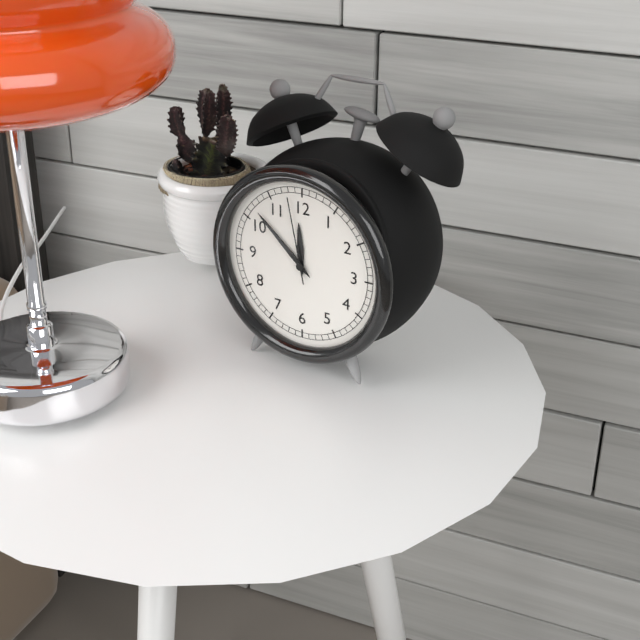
**11:52:58**
